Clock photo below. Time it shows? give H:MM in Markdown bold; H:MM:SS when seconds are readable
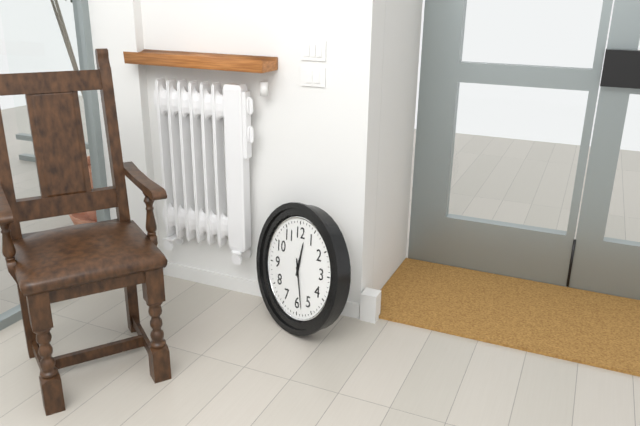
**12:28**
